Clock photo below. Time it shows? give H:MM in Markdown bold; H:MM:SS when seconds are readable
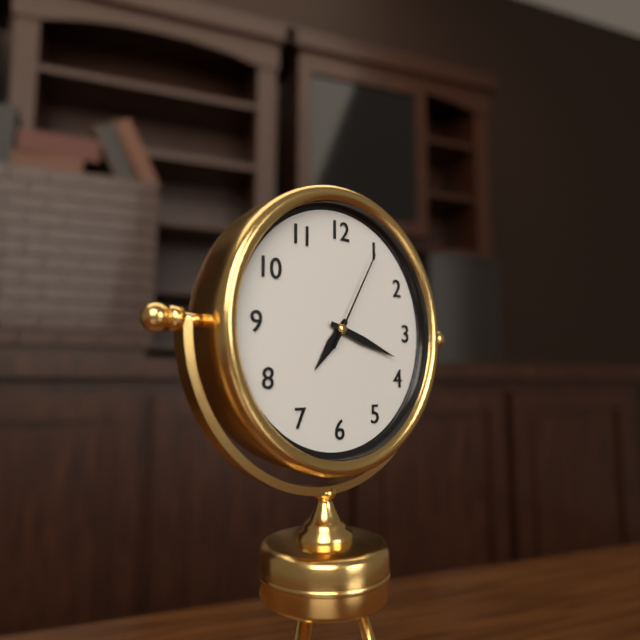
**7:18:05**
